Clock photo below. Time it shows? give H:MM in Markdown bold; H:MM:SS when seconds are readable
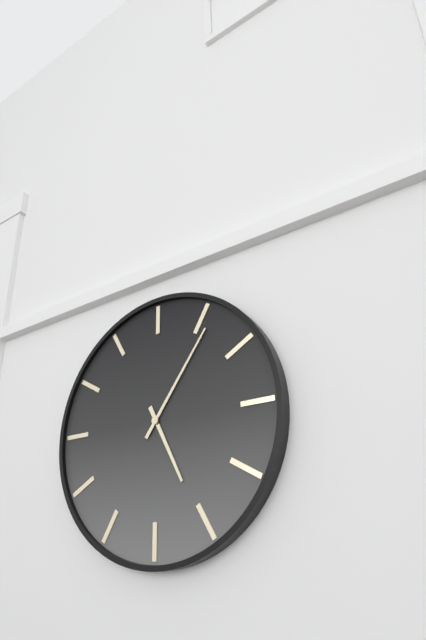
**5:06**
